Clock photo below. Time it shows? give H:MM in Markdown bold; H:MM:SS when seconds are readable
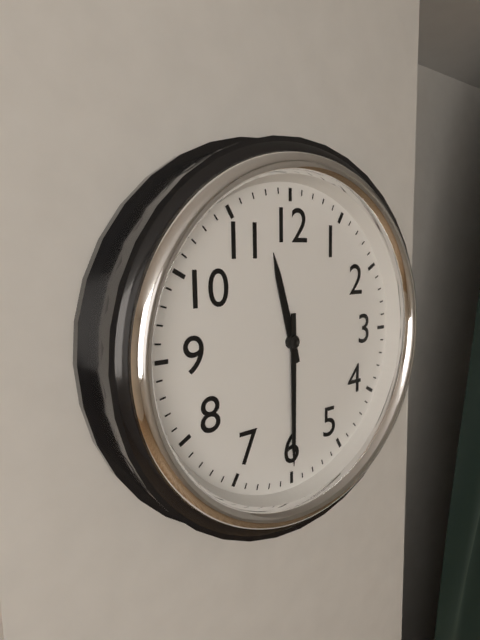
**11:30**
